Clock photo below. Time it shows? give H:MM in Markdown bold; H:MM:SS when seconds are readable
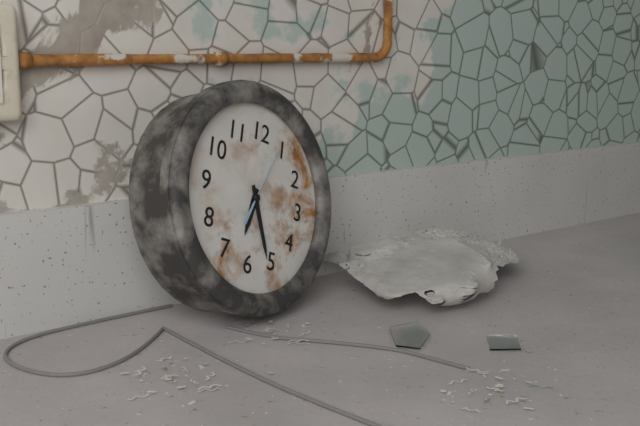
**6:26:04**
